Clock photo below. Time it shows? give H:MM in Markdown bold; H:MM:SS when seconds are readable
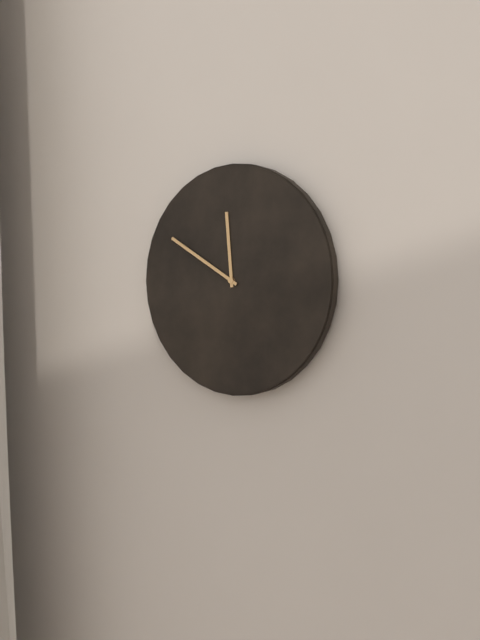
**11:50**
